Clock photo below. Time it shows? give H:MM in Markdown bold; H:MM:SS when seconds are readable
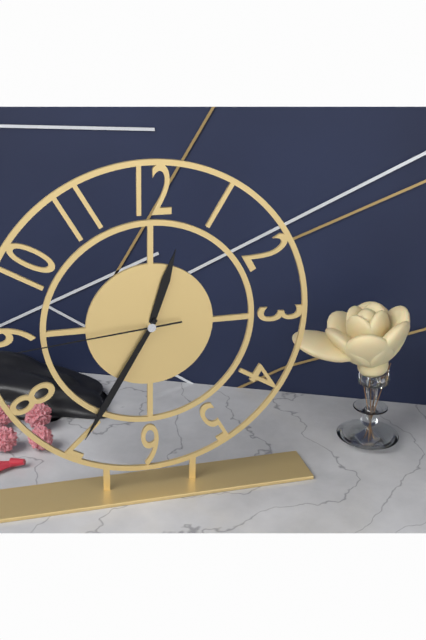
**12:35:44**
